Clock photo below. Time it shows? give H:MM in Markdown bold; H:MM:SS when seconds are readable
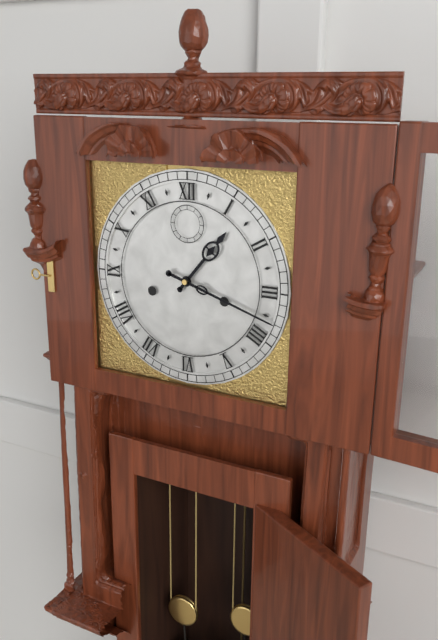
**1:18**
